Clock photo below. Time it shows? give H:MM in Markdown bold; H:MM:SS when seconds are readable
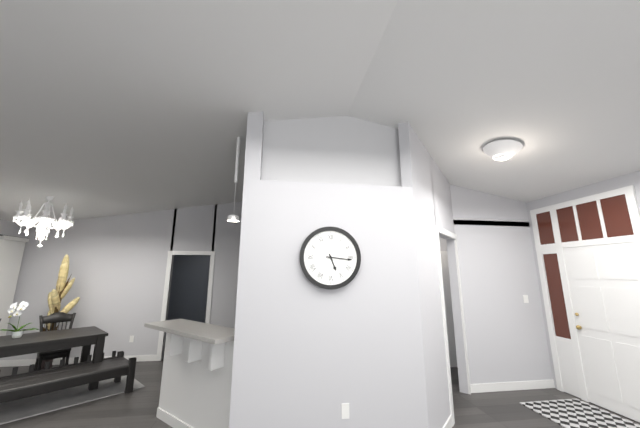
**5:16**
